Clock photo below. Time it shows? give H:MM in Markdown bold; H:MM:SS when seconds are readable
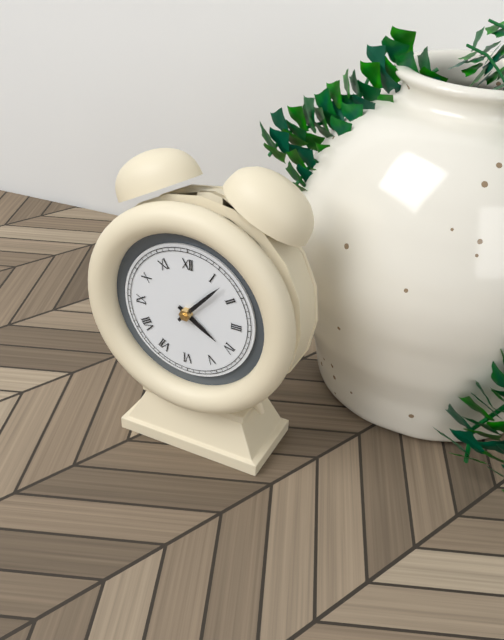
**4:07**
